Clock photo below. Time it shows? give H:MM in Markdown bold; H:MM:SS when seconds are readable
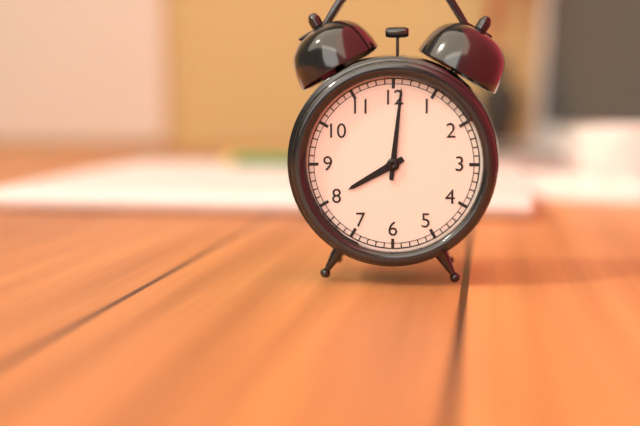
**8:01**
